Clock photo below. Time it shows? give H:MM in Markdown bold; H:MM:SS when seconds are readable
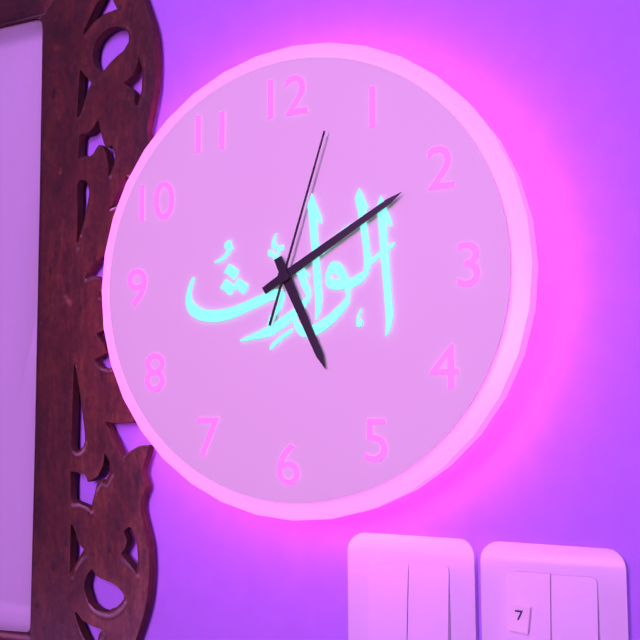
**5:10:03**
